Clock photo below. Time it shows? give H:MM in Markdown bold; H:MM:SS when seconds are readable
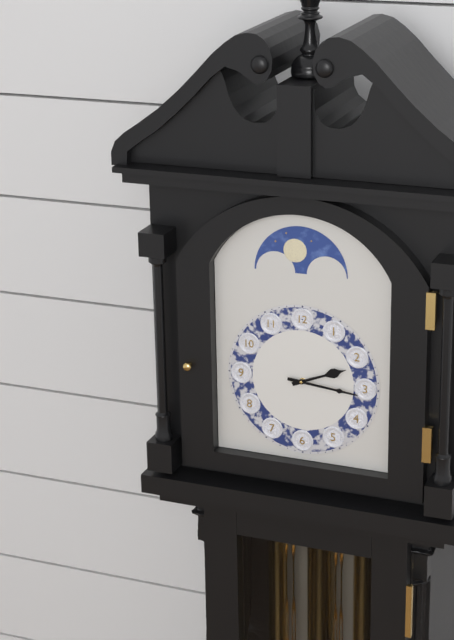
**2:16**
